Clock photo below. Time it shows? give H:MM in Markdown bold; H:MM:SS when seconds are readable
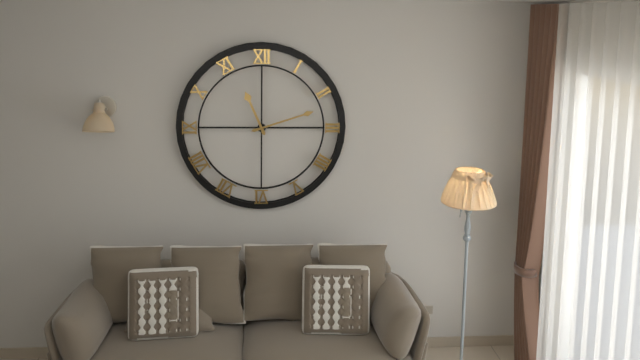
**11:12**
